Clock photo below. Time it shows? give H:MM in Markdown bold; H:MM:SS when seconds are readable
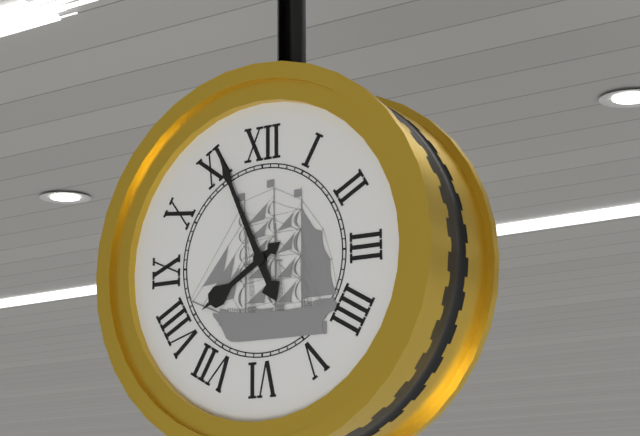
**7:56**
